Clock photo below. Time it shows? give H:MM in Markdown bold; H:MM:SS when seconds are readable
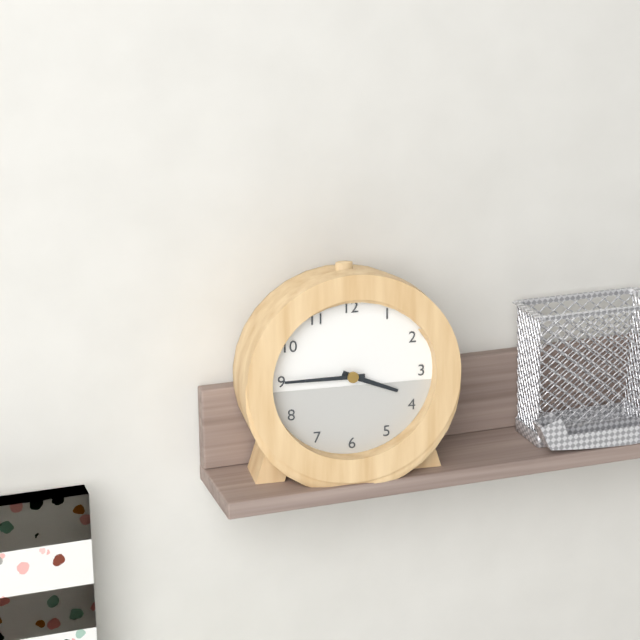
**3:45**
